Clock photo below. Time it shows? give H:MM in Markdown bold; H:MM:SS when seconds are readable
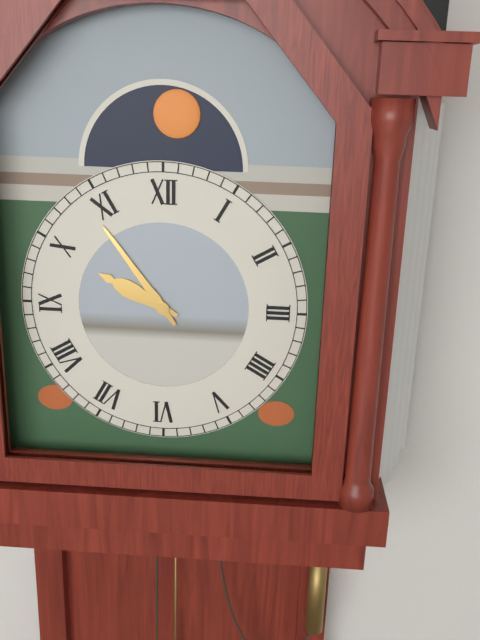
**9:54**
